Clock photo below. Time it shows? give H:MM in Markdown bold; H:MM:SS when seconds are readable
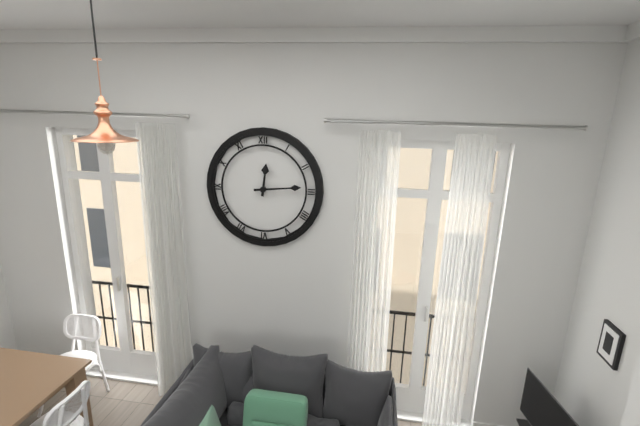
**12:14**
